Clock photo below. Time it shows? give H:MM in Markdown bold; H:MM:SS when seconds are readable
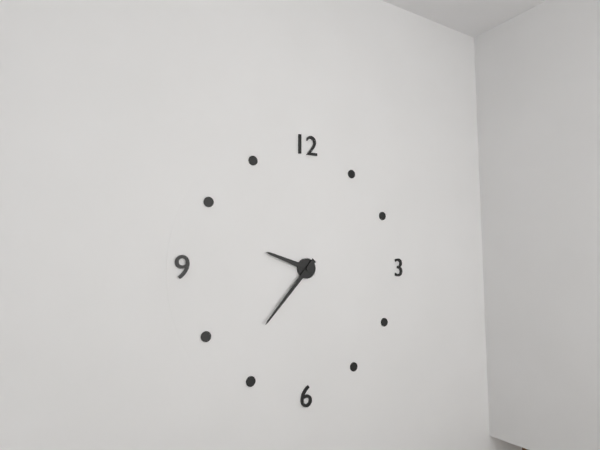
**9:37**
